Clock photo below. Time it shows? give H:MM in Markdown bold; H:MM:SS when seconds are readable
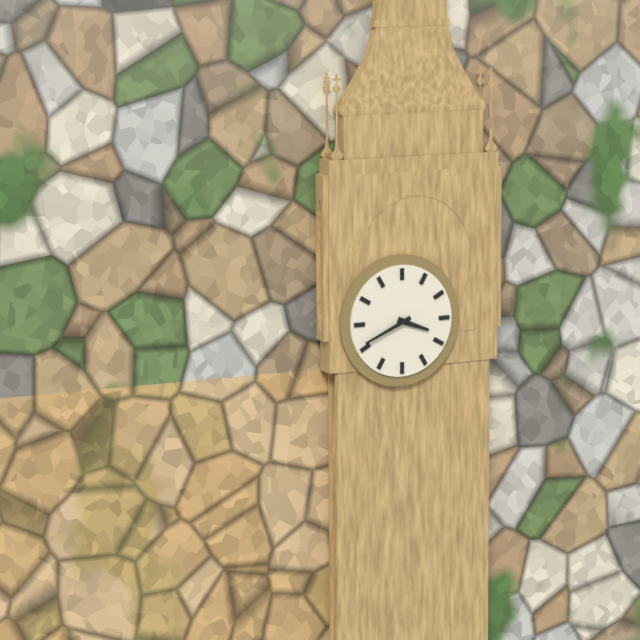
**3:41**
